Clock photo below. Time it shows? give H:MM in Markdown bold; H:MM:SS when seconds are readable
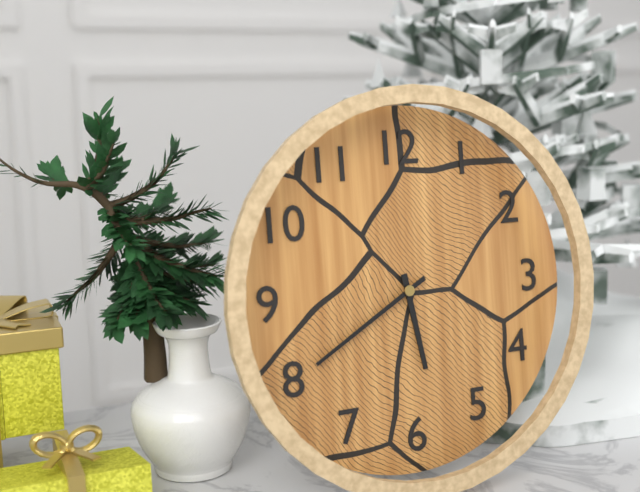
**5:40**
